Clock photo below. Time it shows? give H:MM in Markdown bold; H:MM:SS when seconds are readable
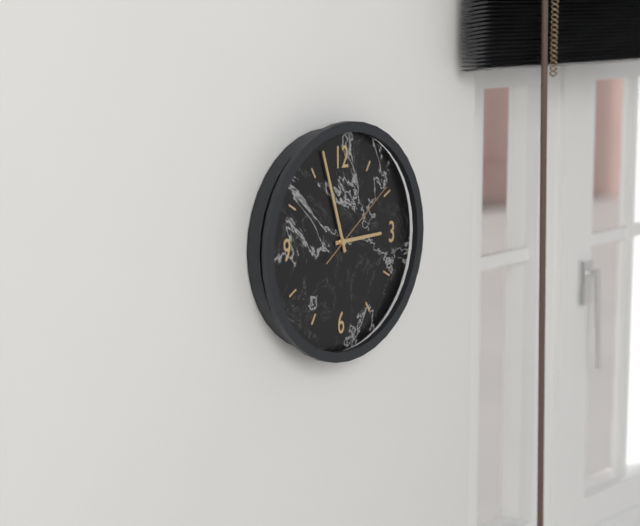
**2:57:09**
